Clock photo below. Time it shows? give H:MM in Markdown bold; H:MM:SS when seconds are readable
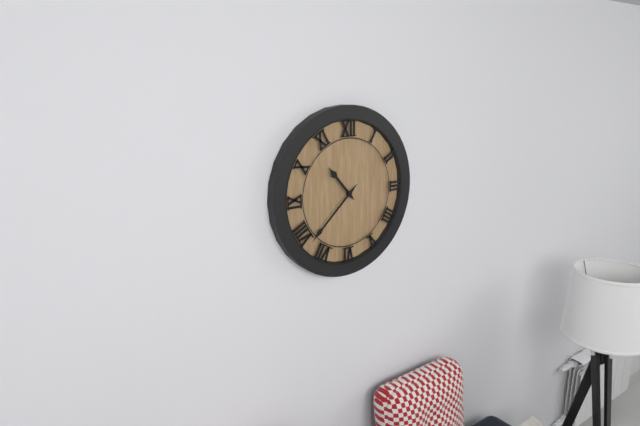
**10:38**
